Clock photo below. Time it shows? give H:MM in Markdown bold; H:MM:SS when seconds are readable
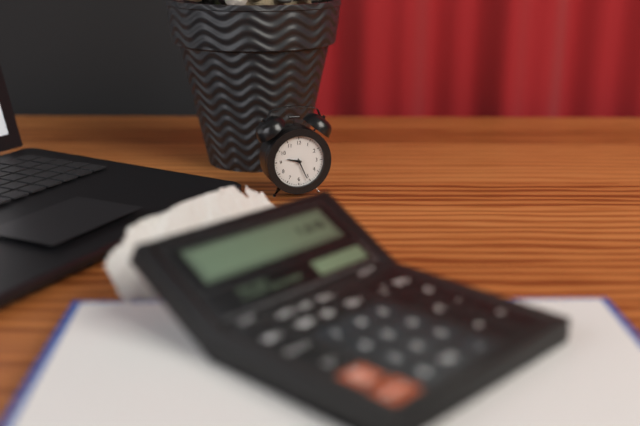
**9:26**
